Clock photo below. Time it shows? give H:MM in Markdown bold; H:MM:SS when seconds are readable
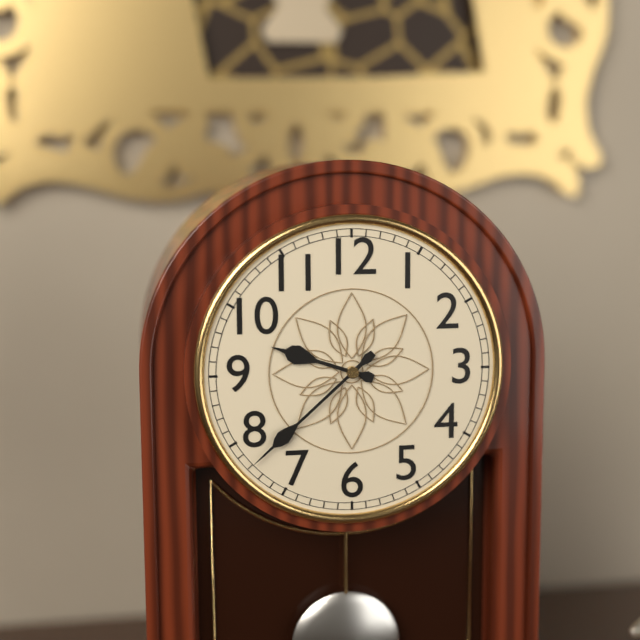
**9:38**
